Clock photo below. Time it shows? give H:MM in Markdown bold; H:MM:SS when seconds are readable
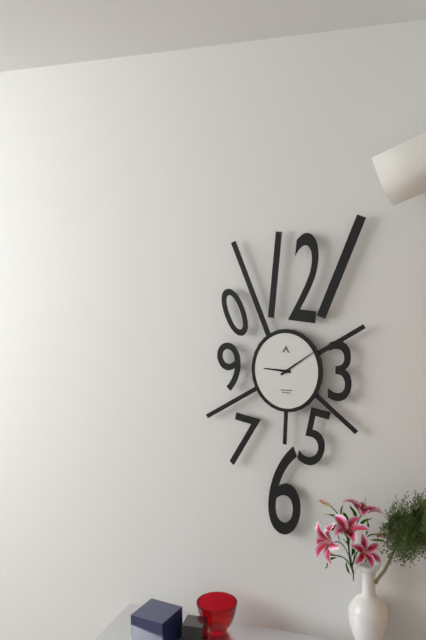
**9:09**
